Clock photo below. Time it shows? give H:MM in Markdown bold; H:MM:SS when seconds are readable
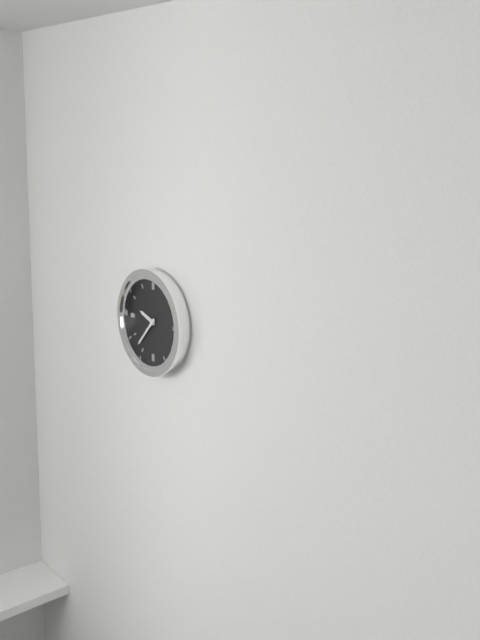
**9:37**
